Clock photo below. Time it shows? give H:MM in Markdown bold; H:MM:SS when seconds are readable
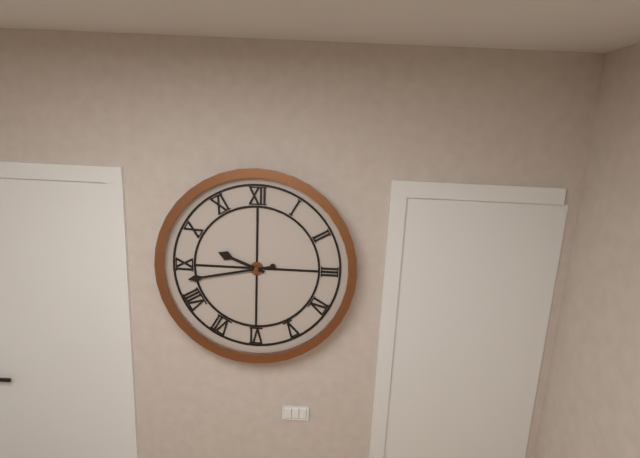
**9:43**
